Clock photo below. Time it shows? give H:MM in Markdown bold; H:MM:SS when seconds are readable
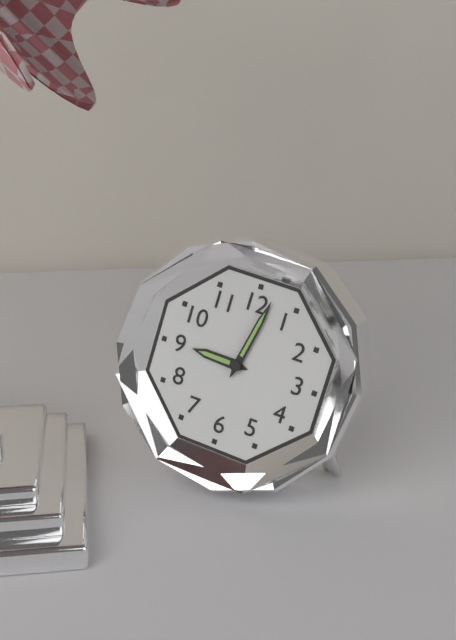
**9:02**
